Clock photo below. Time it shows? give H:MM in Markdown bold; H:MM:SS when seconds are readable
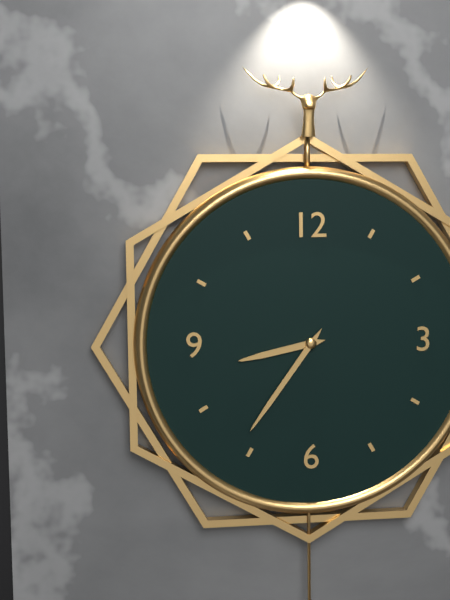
**8:36**
